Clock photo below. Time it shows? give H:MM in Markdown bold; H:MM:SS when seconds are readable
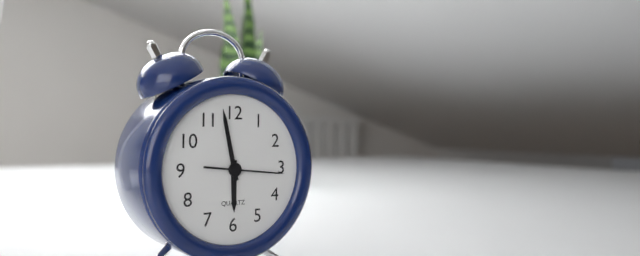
**5:58:16**
